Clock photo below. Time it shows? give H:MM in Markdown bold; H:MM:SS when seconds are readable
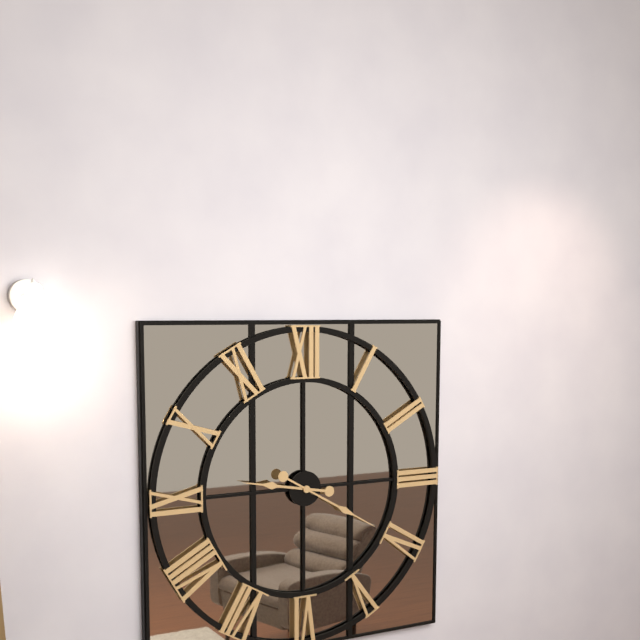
**9:20**
